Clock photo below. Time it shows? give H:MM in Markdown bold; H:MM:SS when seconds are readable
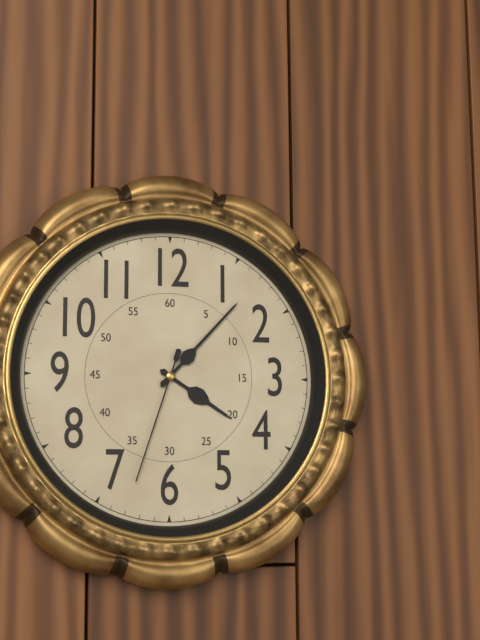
**4:07:33**
